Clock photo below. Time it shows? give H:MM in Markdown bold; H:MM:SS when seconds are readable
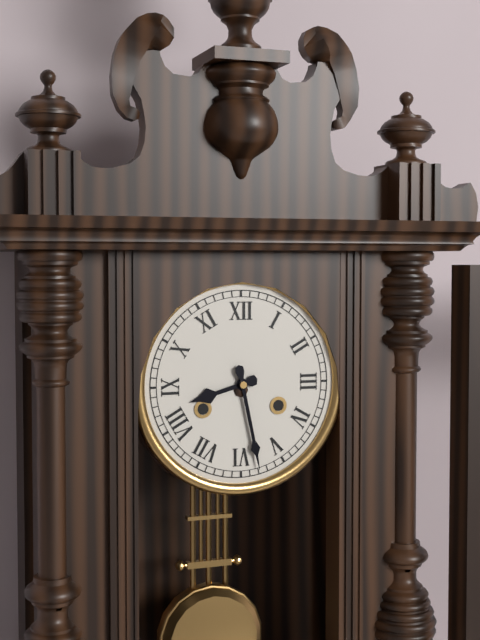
**8:28**
